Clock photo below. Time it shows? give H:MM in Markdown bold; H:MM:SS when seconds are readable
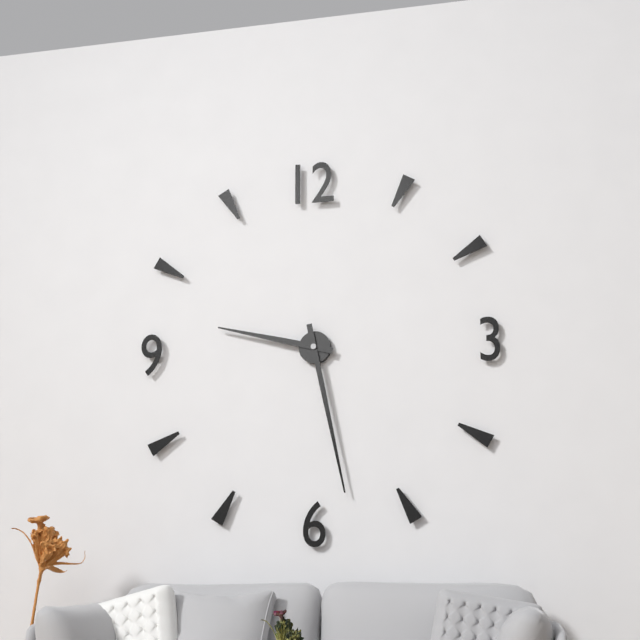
**9:28**
